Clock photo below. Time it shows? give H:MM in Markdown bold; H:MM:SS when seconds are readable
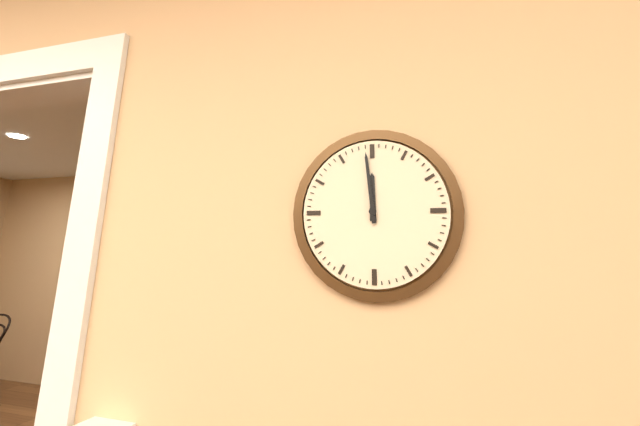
**11:59**
